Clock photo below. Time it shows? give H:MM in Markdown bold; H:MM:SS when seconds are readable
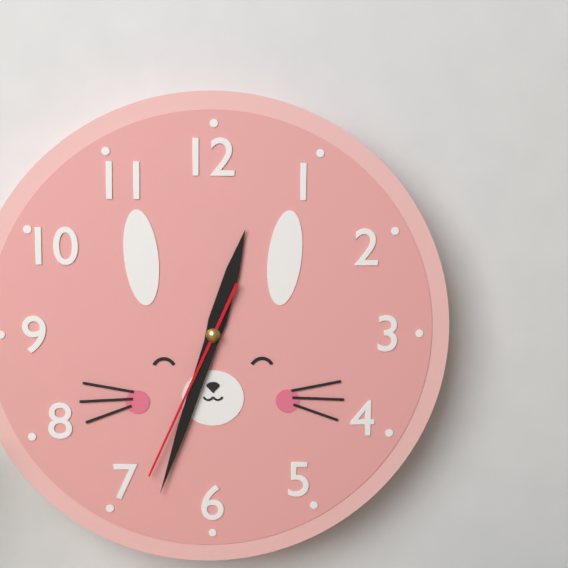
**12:33:34**
